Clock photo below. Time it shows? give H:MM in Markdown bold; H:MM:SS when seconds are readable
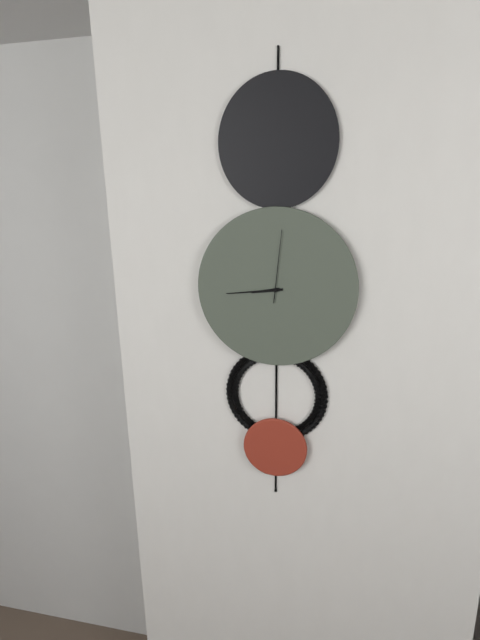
**8:44:01**
